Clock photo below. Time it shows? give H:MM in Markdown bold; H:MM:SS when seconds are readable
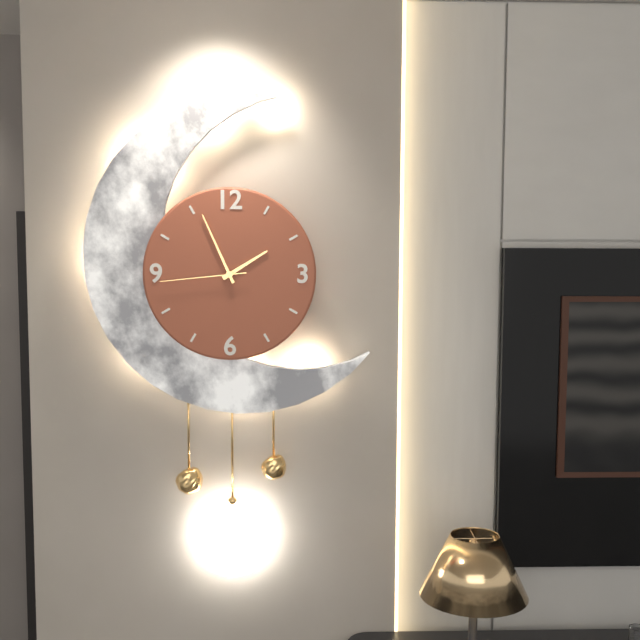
**1:56:44**
